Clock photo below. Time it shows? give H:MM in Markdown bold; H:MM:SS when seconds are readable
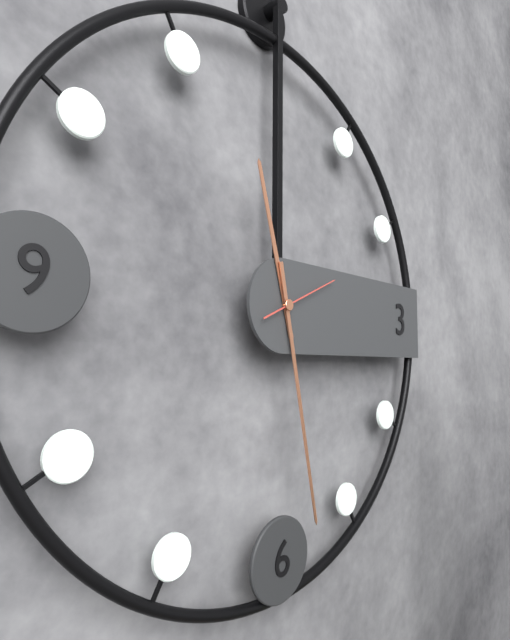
**11:28:11**
